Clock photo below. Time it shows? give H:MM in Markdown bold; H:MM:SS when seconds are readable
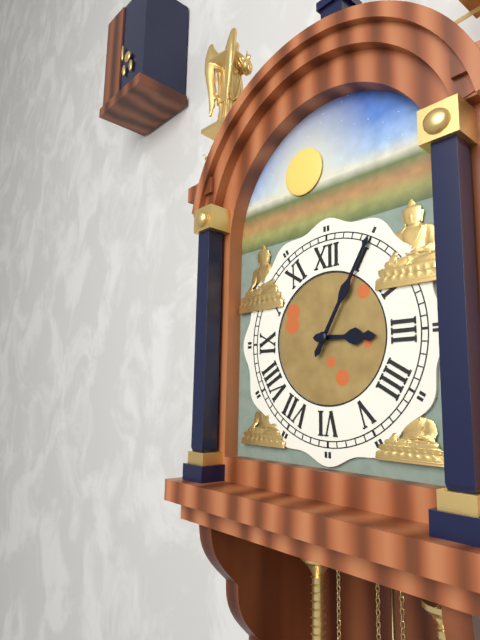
**3:05**
